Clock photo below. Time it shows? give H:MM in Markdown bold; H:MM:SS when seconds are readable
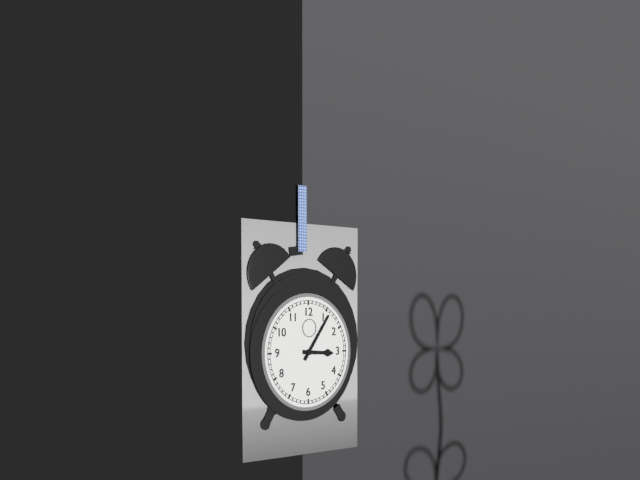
**3:06**
